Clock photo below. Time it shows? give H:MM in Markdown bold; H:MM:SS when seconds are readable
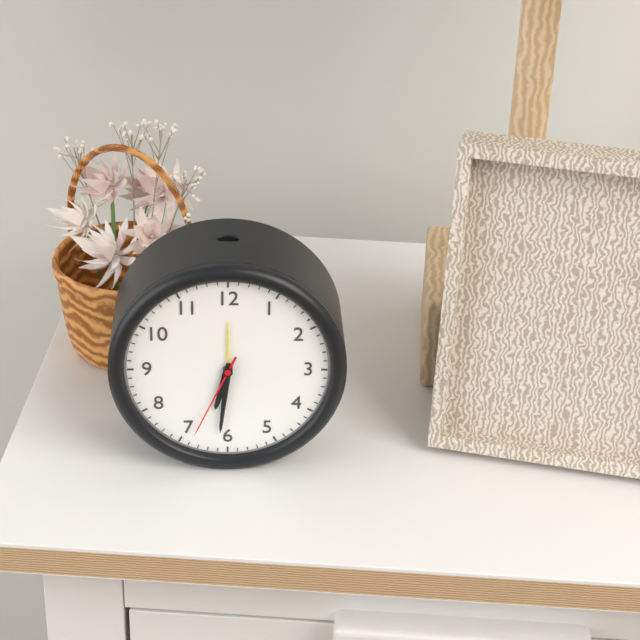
**6:31:34**
